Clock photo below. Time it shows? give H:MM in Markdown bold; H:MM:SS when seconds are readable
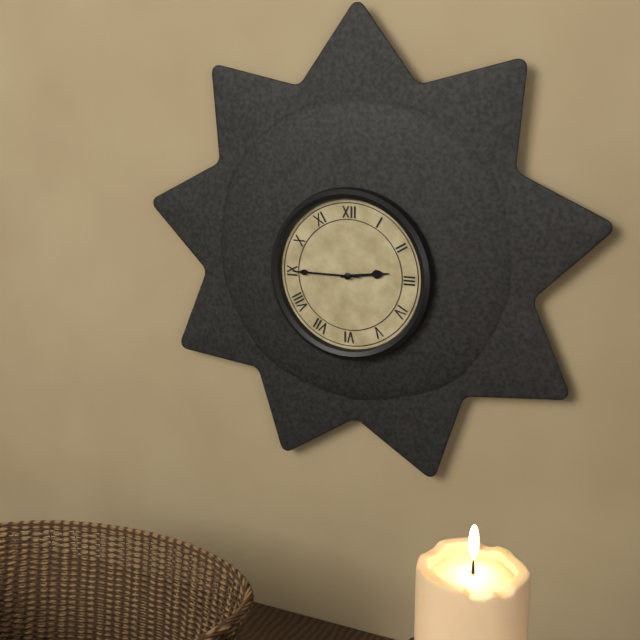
**2:45**
